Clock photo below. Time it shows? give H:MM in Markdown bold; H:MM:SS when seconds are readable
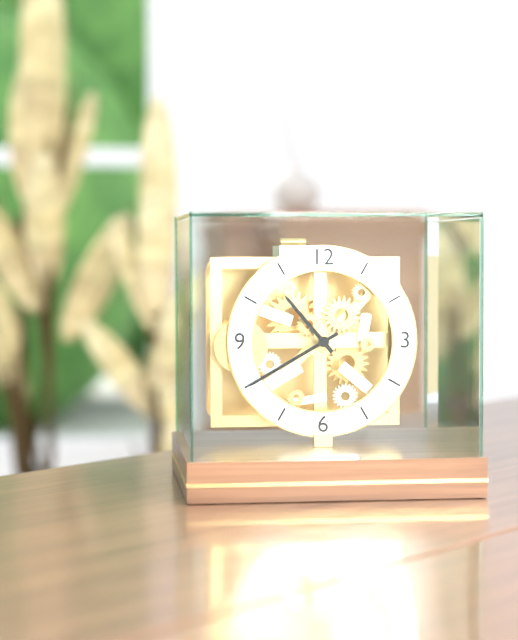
**10:40**
